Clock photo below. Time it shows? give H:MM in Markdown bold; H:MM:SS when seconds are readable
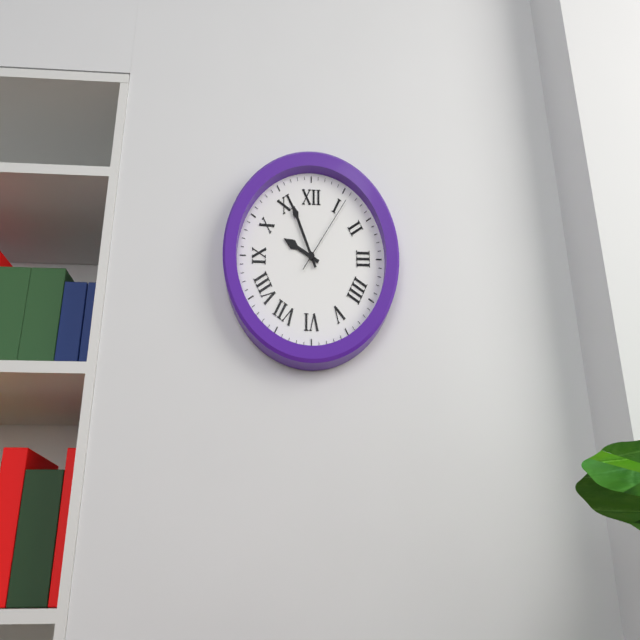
**9:56:06**
